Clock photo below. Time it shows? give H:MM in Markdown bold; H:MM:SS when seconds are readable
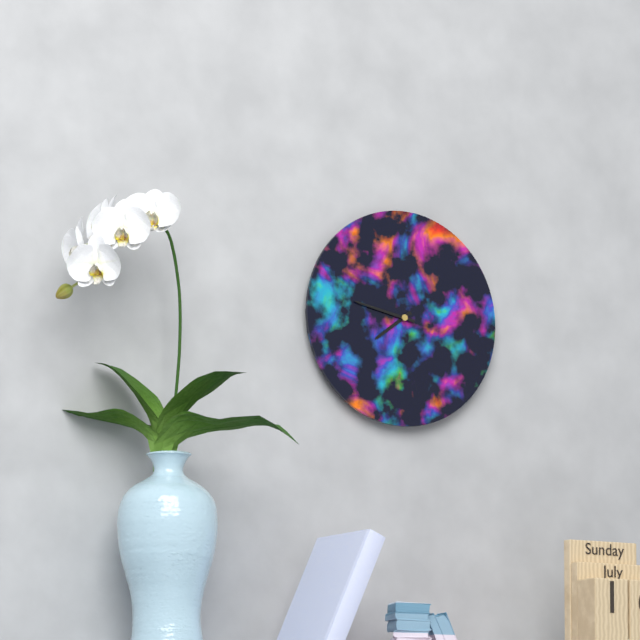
**7:47**
